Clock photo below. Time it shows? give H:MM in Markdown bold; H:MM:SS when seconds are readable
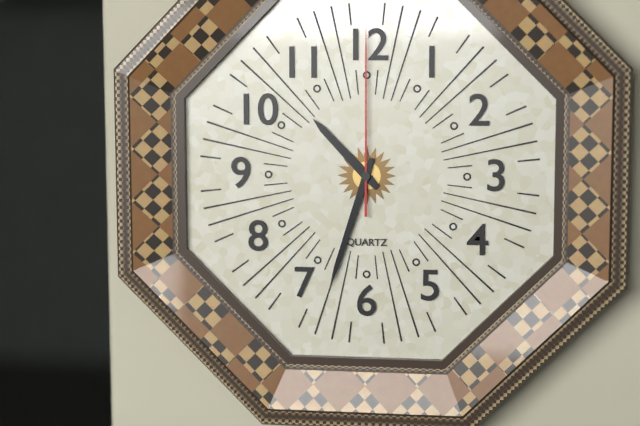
**10:33:00**
